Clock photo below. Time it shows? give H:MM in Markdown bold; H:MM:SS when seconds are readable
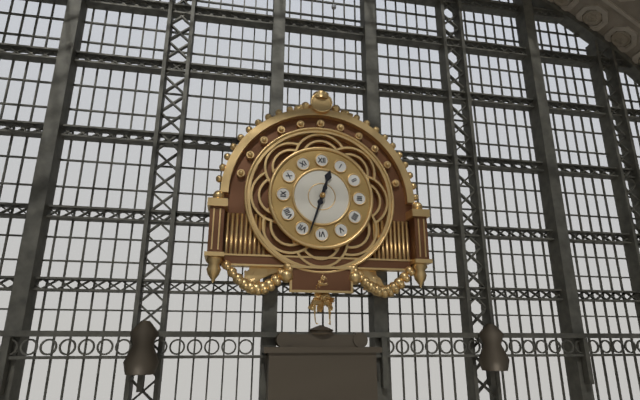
**12:33**
